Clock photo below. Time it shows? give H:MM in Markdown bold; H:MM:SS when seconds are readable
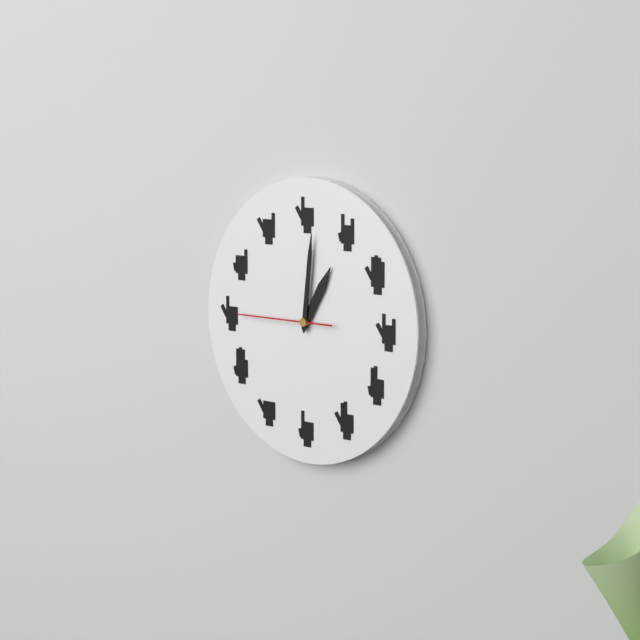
**1:01:45**
